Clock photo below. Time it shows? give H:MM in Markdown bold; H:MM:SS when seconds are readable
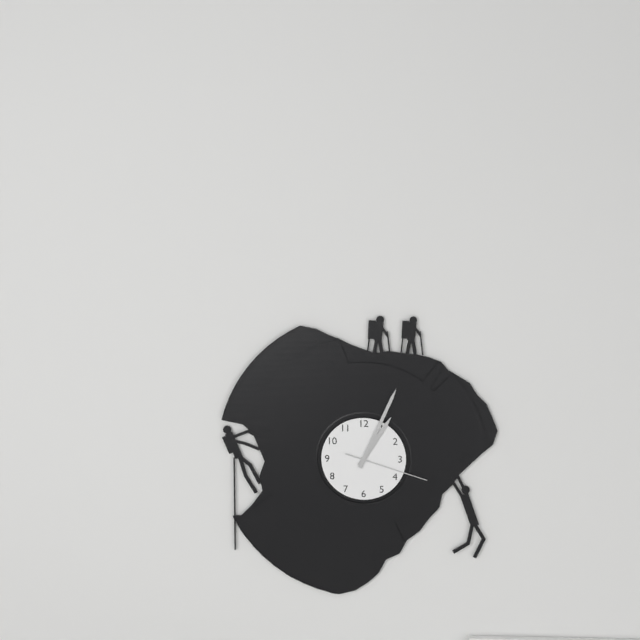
**1:04:18**
